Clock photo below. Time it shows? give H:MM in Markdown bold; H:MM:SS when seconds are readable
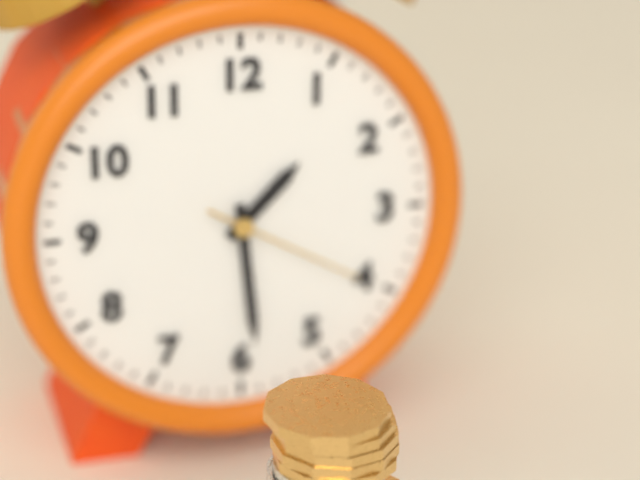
**1:29:20**
